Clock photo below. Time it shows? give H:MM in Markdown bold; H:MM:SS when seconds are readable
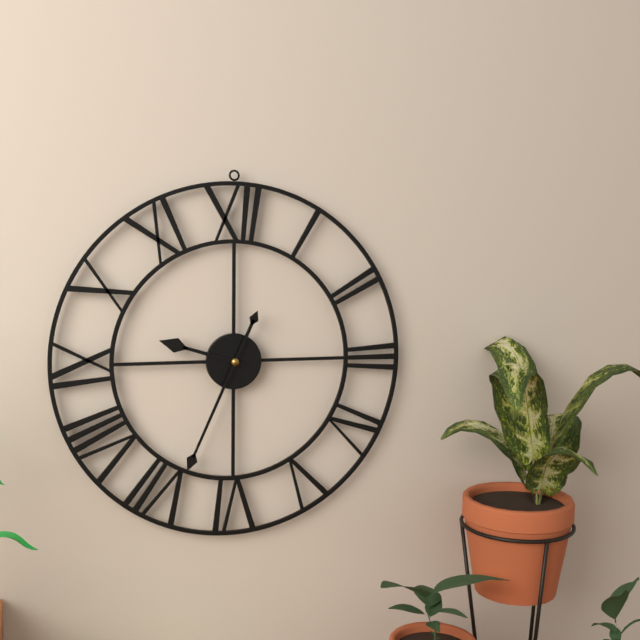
**9:34**
